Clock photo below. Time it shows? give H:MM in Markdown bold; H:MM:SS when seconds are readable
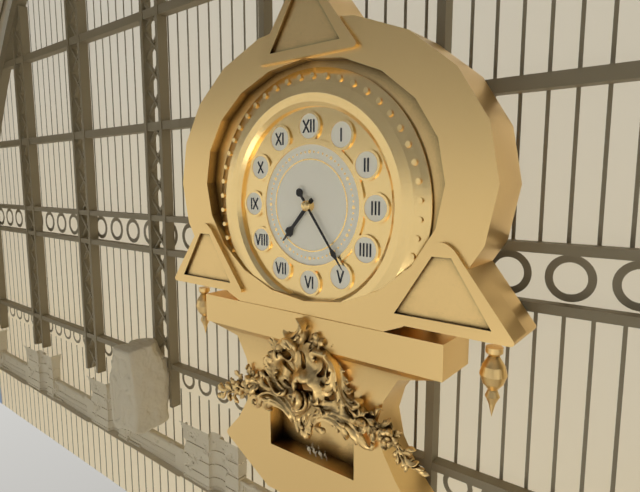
**7:24**
